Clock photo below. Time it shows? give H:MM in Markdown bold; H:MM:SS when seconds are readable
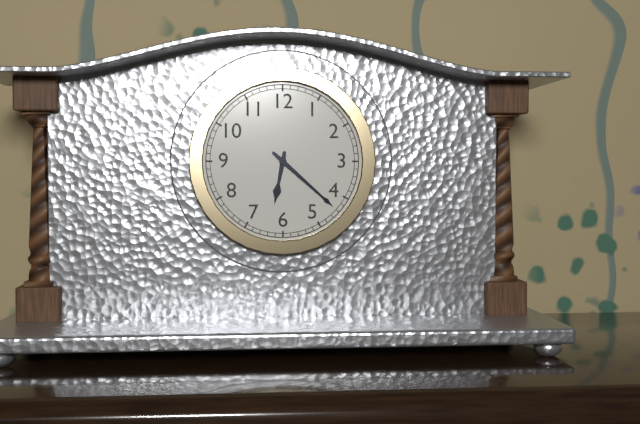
**6:22**
